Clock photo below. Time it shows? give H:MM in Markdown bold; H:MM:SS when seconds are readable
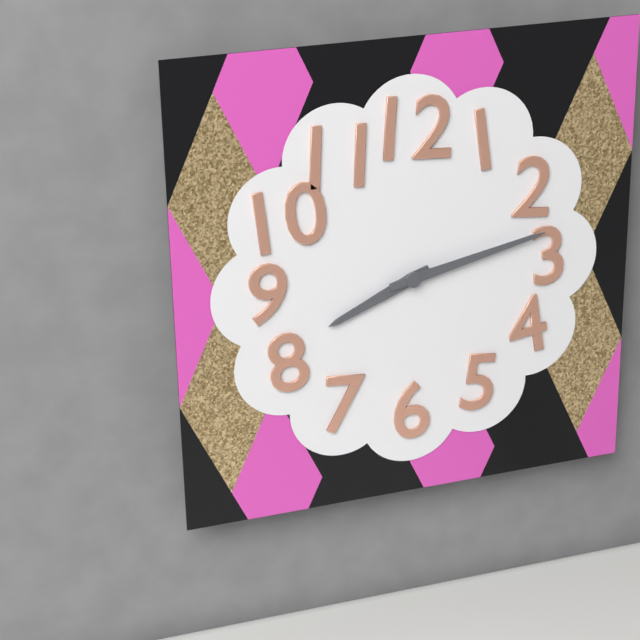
**8:13**
